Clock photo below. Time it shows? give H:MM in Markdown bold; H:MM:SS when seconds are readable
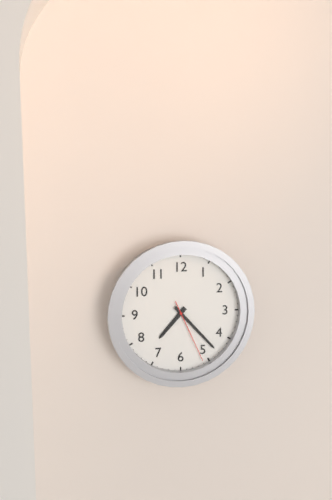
**7:23:26**
